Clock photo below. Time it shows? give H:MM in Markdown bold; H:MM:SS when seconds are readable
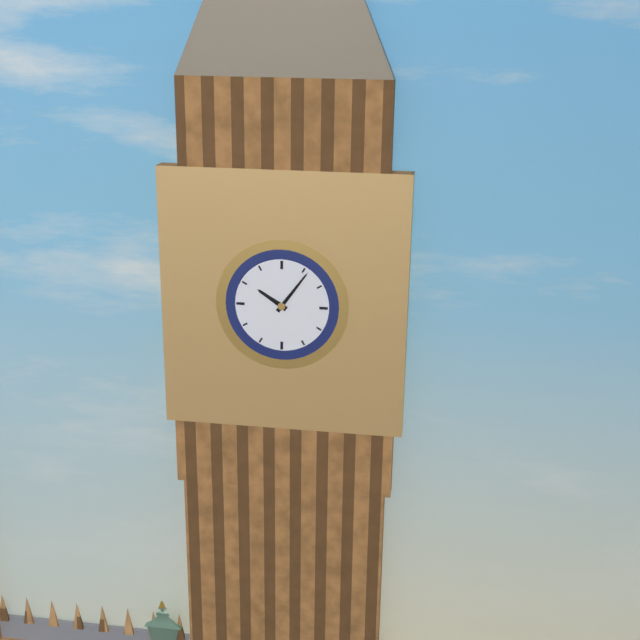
**10:06**
